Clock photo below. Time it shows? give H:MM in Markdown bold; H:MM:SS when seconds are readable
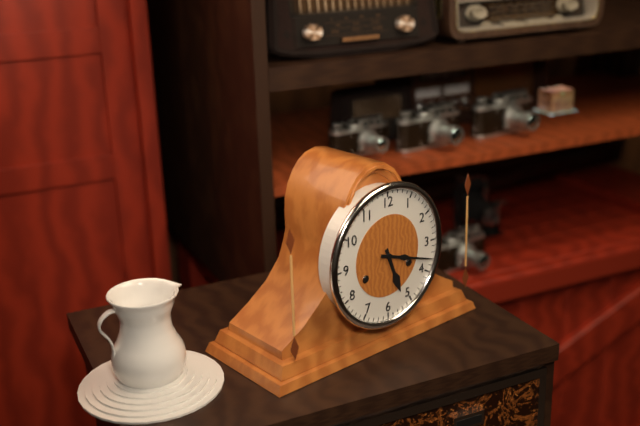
**5:18**
